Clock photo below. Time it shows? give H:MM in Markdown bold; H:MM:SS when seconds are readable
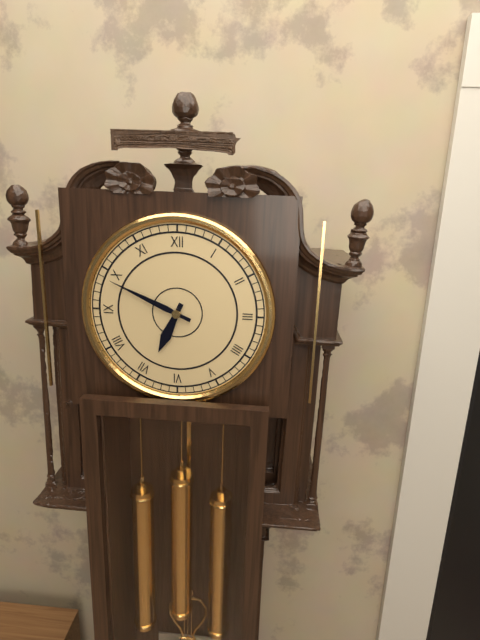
**6:49**
